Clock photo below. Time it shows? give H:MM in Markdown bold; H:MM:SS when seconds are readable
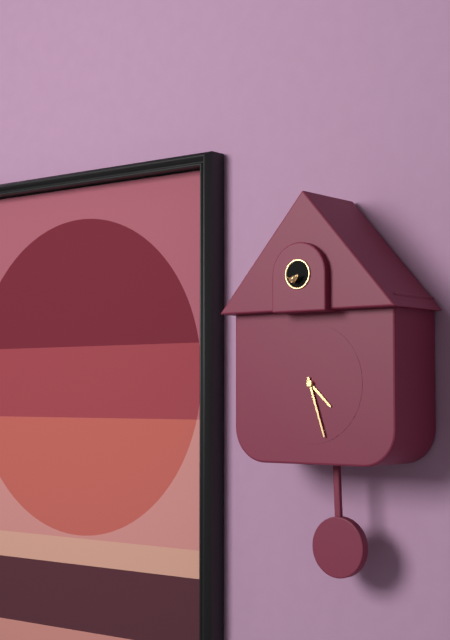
**4:27**
